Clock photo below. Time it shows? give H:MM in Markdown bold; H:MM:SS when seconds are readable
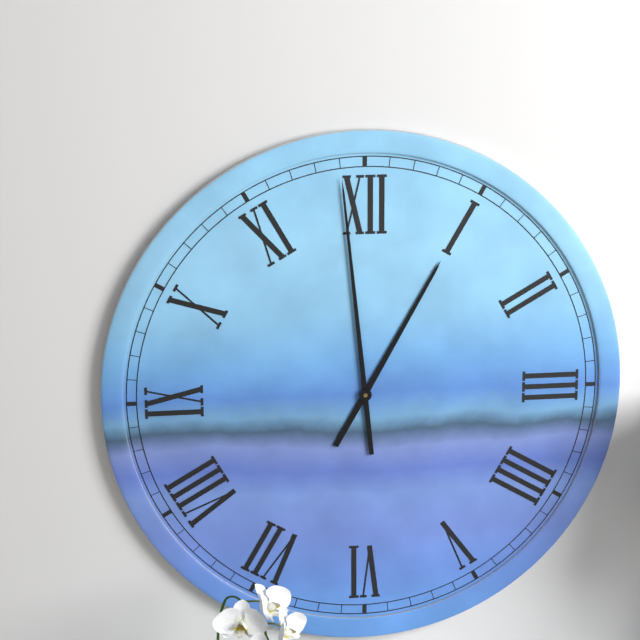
**12:59**
